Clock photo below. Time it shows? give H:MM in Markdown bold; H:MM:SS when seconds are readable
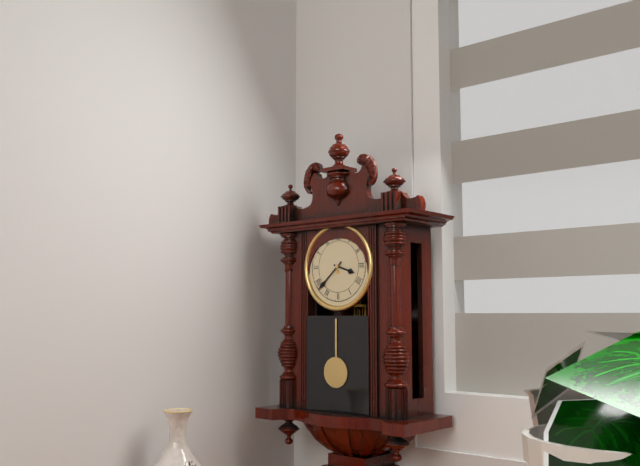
**3:38**
